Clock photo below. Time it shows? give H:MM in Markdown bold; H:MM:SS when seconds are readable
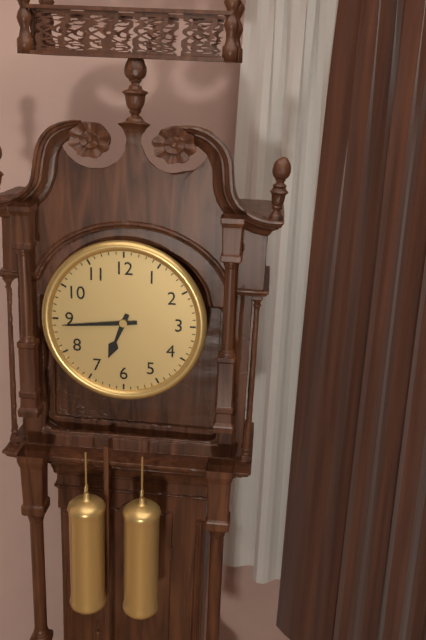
**6:44**
